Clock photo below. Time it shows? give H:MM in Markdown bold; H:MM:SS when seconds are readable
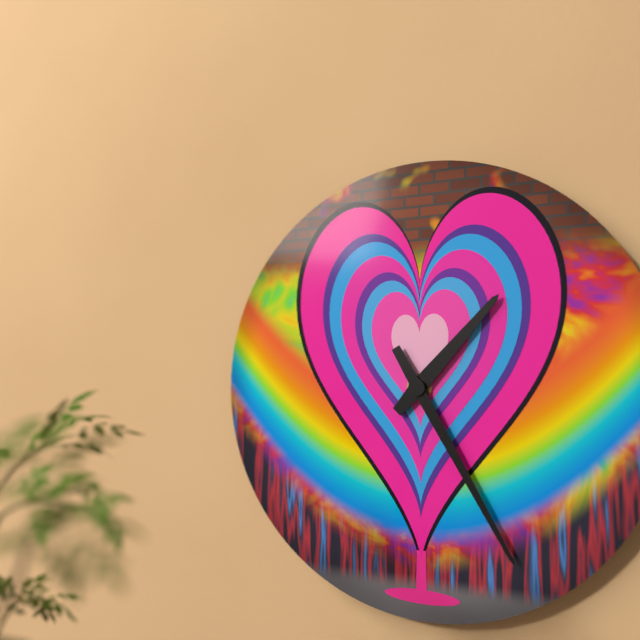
**1:25**
